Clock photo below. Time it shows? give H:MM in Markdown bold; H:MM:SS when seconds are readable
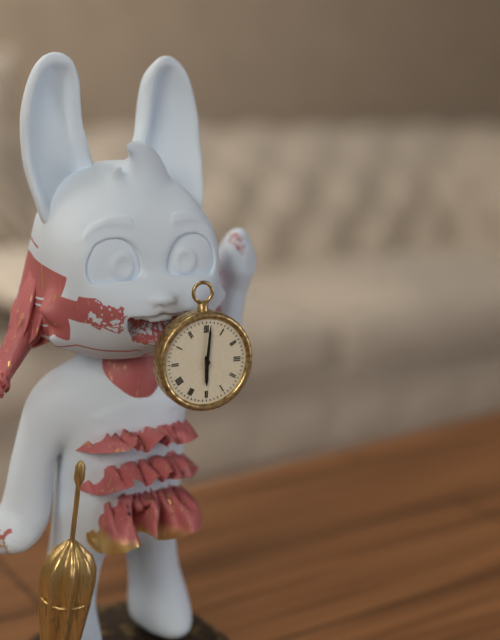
**6:01**
